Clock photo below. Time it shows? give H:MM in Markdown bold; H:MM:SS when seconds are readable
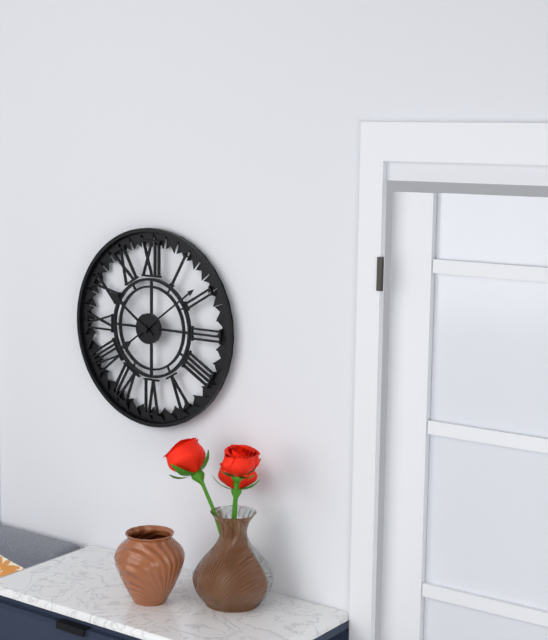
**10:09**
